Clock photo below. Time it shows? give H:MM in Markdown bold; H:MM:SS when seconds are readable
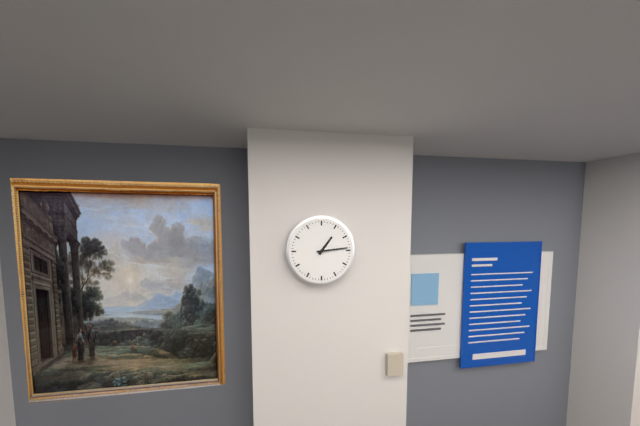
**1:14**
